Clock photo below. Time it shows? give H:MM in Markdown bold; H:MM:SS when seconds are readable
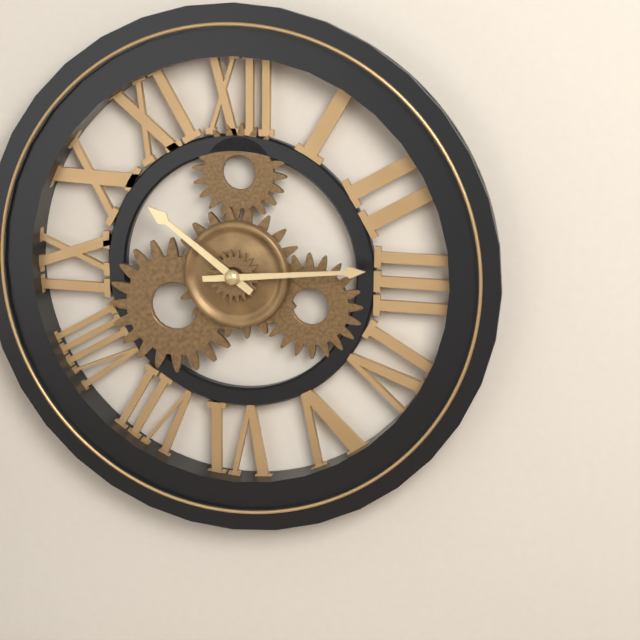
**10:14**
